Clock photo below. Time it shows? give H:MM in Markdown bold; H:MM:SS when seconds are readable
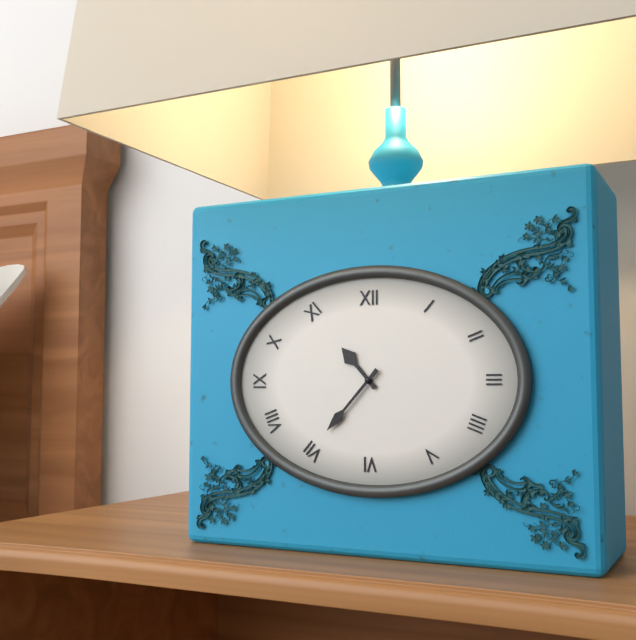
**10:37**
